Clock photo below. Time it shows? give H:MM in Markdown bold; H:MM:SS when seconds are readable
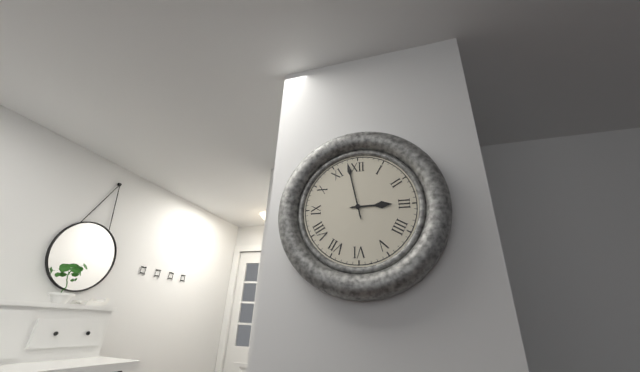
**2:58**
